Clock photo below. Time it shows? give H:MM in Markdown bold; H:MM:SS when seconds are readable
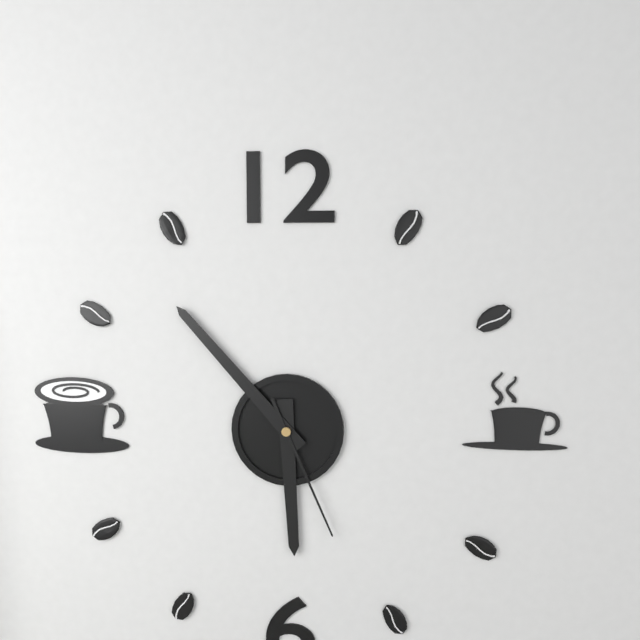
**5:53:26**
